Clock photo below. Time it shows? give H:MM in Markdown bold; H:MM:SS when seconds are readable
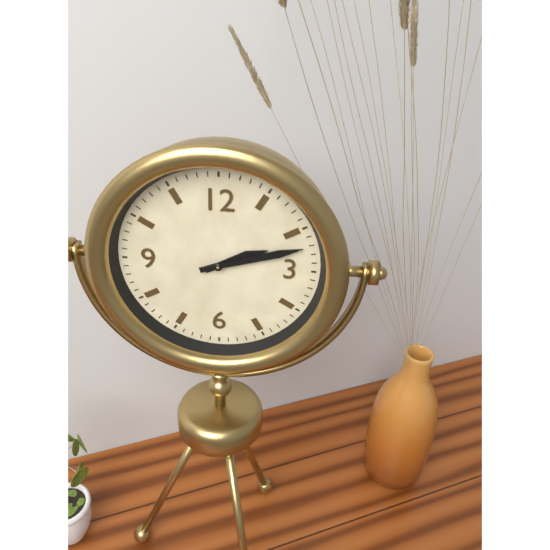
**2:12**
